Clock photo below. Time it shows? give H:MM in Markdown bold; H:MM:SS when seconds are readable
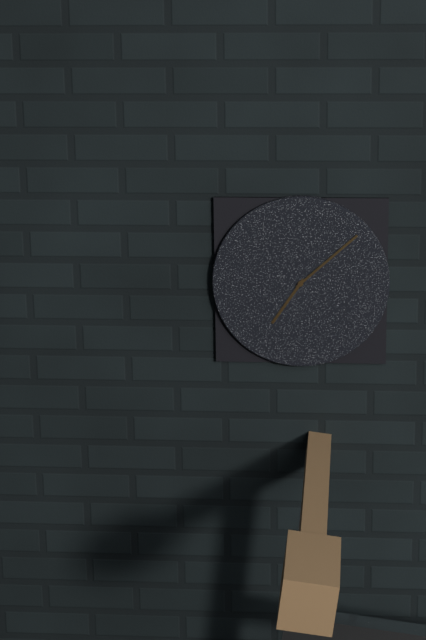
**7:08**
